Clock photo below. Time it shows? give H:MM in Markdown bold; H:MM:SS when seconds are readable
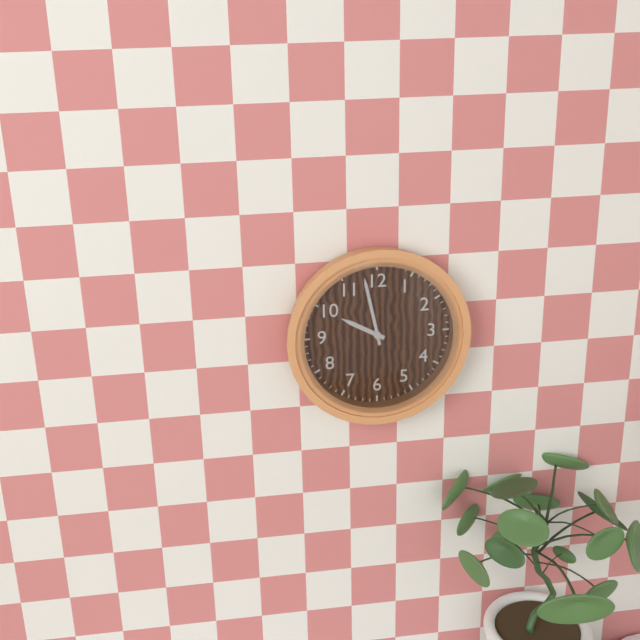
**9:58**
